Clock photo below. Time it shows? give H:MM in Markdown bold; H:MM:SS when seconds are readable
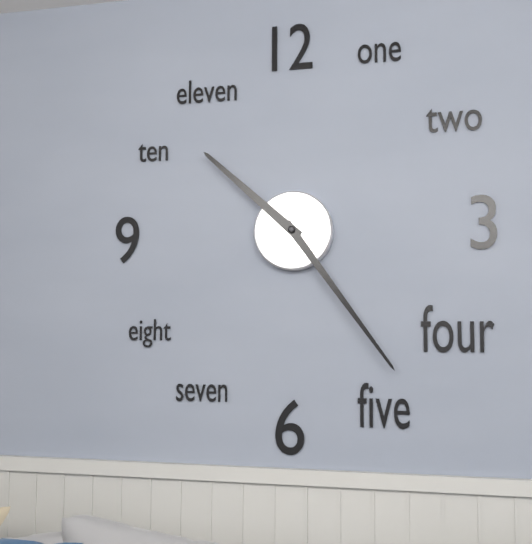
**10:24**
